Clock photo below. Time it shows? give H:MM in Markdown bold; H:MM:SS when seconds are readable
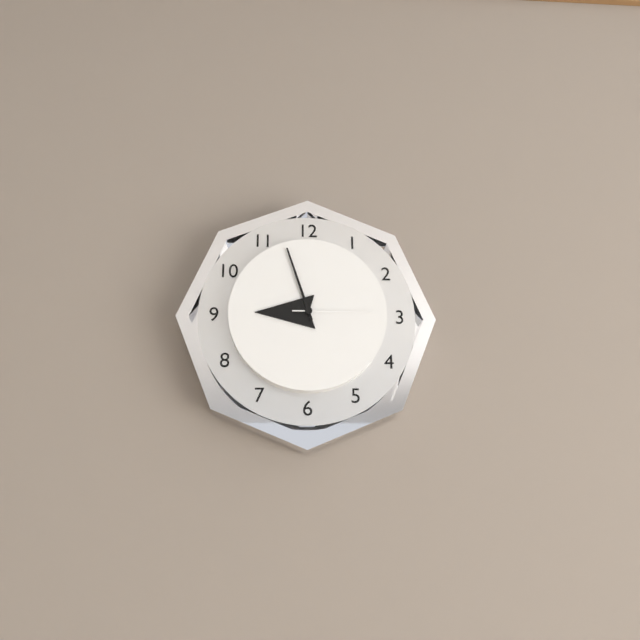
**8:57:15**
